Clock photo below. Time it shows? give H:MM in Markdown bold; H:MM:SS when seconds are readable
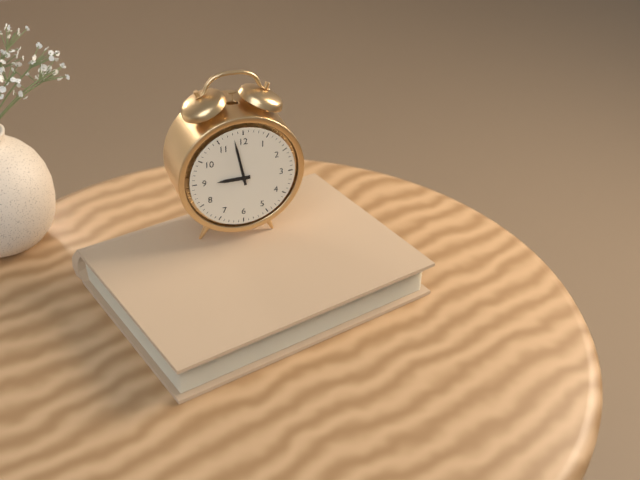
**8:58**
